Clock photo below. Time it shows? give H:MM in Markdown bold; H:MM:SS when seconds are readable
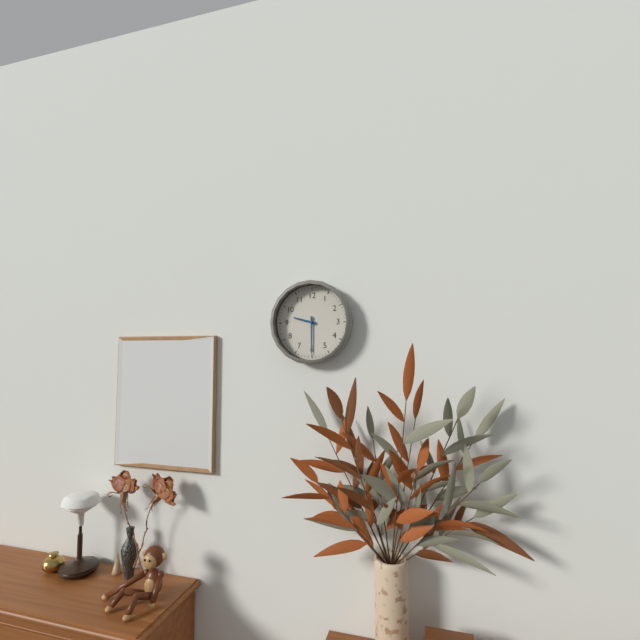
**9:30**
